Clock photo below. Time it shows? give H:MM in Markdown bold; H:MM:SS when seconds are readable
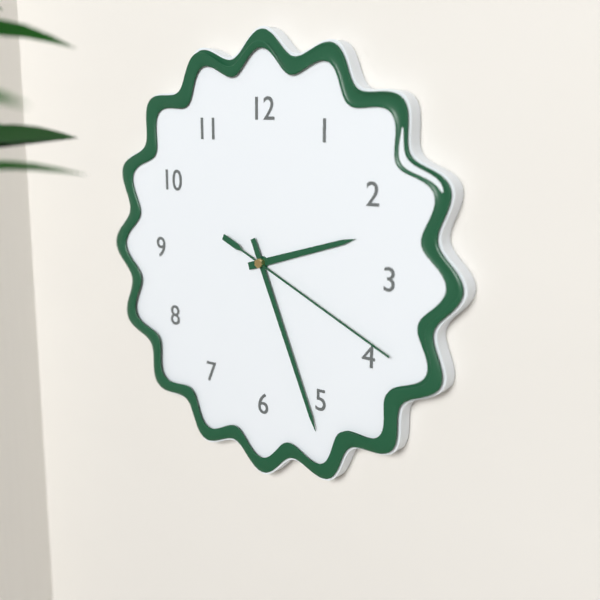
**2:26:19**
